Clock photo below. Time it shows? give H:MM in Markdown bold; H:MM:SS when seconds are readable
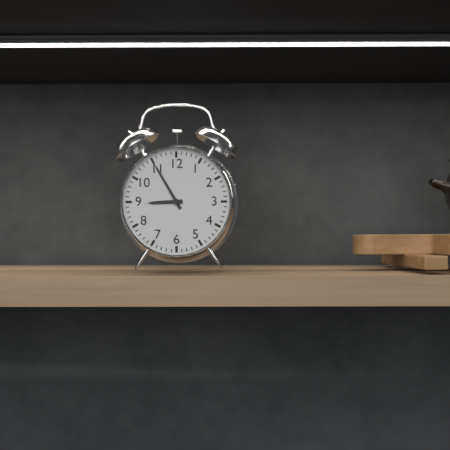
**8:55**
